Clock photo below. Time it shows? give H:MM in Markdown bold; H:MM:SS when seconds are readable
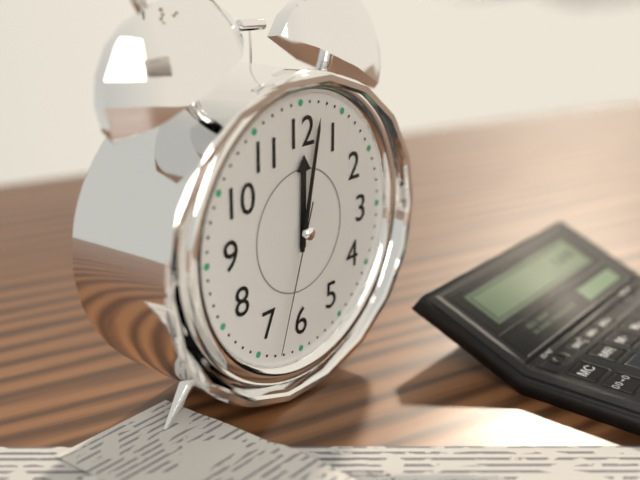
**12:02:33**
